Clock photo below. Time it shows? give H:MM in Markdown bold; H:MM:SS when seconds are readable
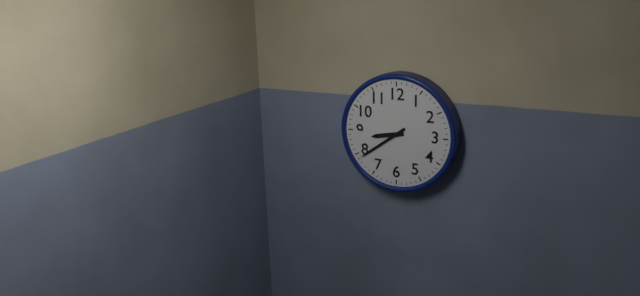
**8:39**
